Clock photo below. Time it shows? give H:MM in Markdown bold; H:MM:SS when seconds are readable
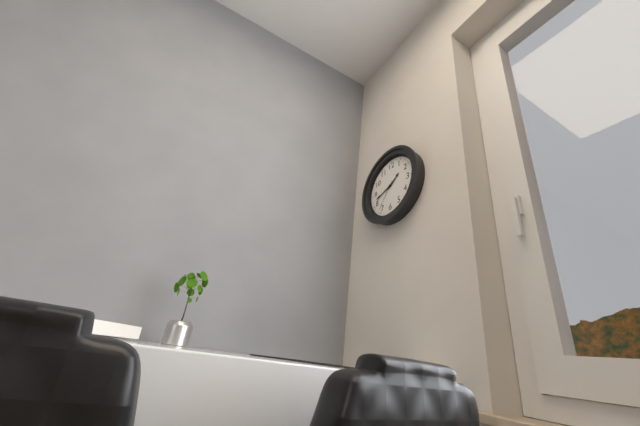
**1:42**
